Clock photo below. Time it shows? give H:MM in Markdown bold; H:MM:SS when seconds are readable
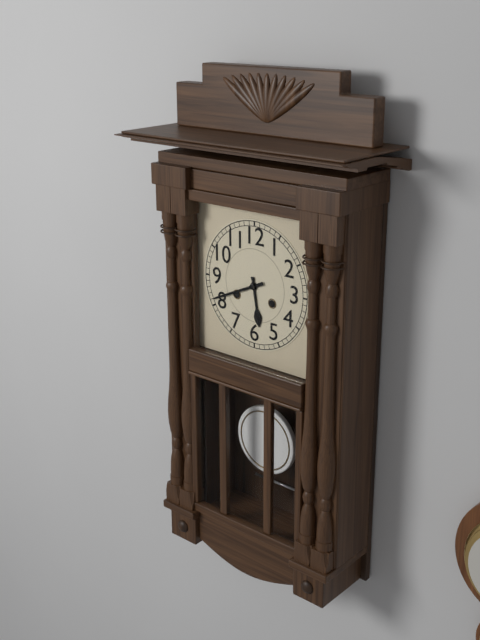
**5:41**
